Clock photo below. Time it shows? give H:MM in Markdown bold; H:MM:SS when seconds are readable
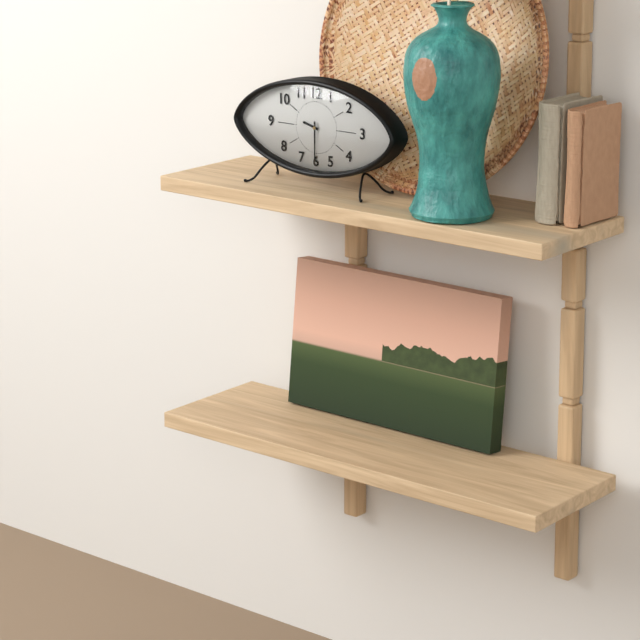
**9:30**
